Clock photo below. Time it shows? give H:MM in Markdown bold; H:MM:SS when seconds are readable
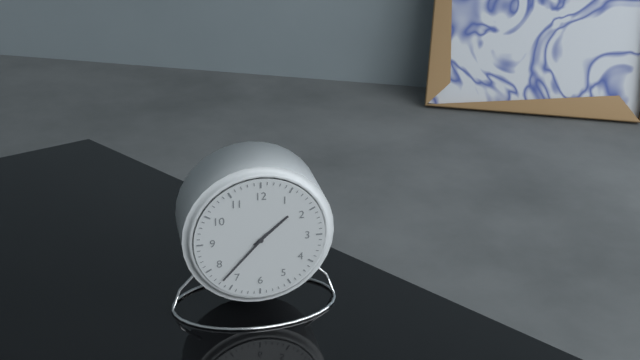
**1:37**
